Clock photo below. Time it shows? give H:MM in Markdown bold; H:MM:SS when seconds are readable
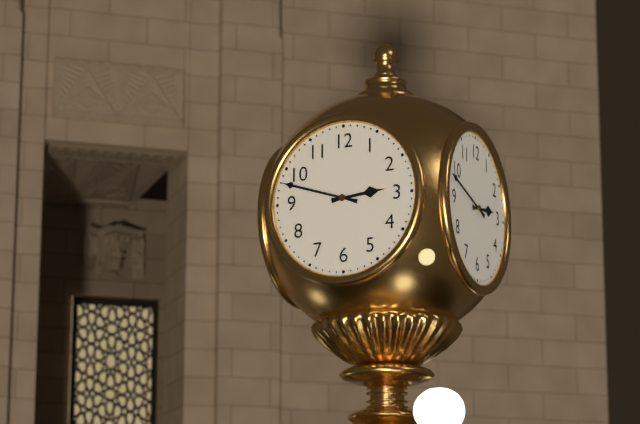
**2:48**
